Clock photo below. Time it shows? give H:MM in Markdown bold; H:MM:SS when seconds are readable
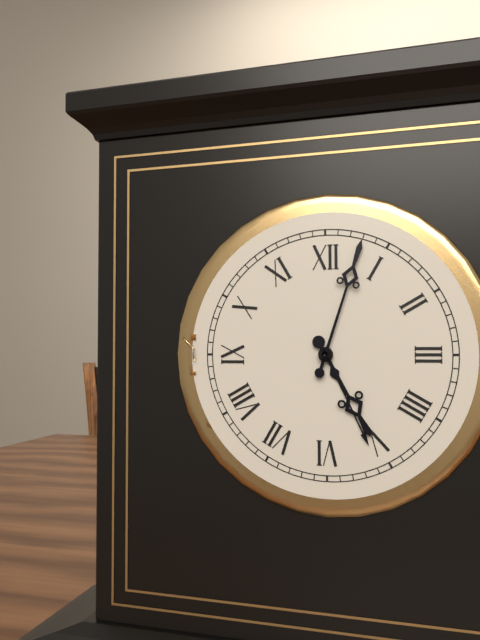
**5:03**
